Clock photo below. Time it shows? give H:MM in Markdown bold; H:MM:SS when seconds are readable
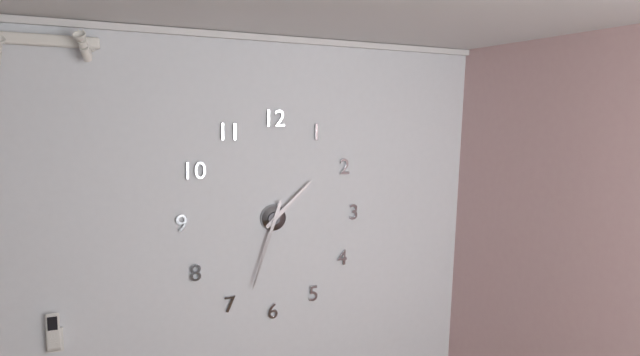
**1:33**
